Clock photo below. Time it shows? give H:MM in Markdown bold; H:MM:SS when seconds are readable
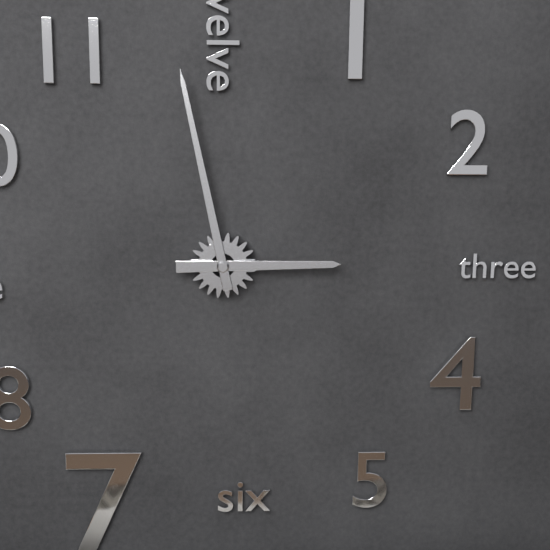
**2:58**
